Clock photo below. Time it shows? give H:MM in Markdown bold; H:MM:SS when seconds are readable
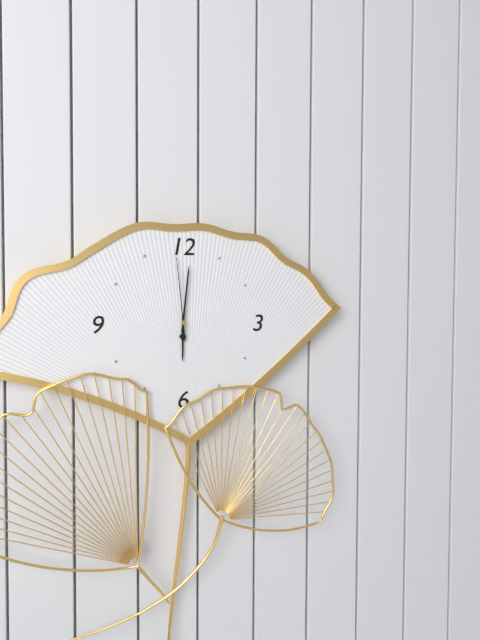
**6:01:59**
